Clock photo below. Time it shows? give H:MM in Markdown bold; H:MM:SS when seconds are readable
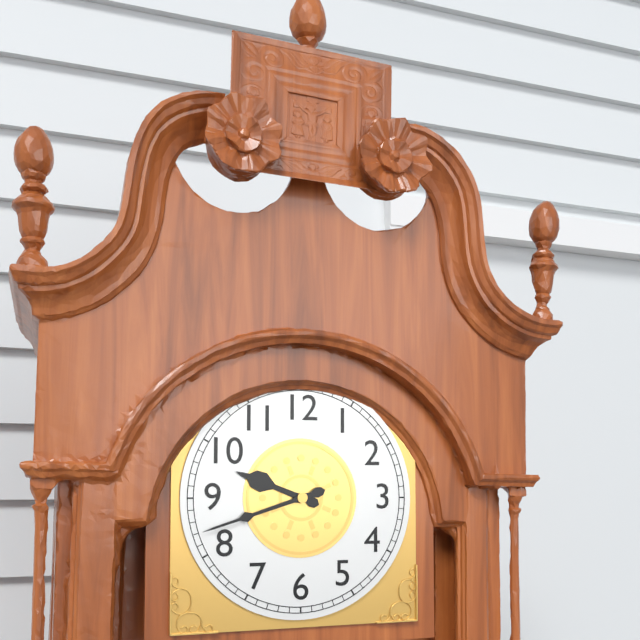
**9:42**
